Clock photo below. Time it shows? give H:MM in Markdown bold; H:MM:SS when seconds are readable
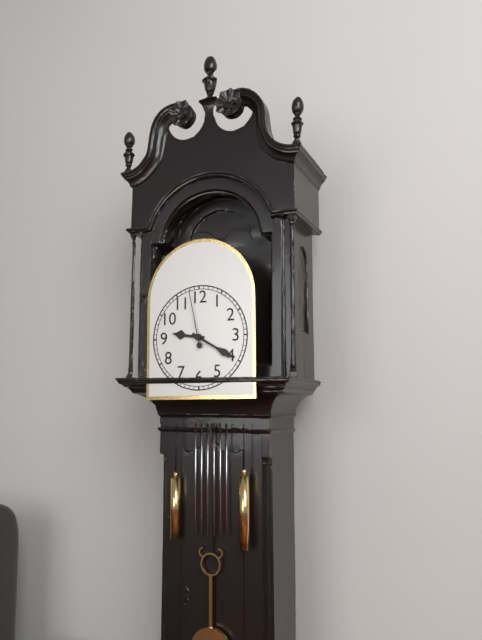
**9:20:58**
